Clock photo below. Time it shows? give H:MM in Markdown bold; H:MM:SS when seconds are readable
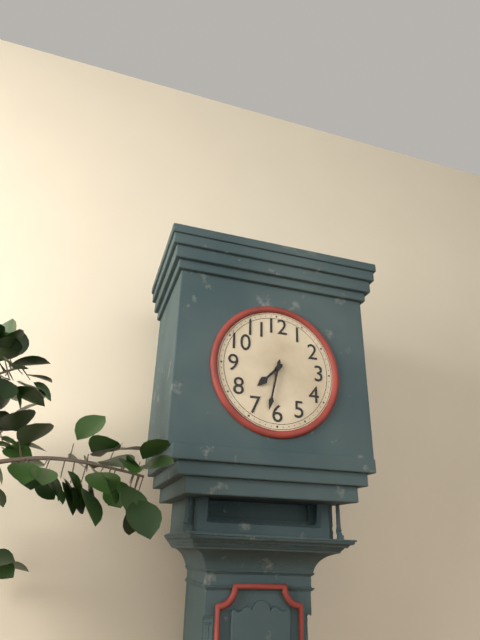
**7:32**
